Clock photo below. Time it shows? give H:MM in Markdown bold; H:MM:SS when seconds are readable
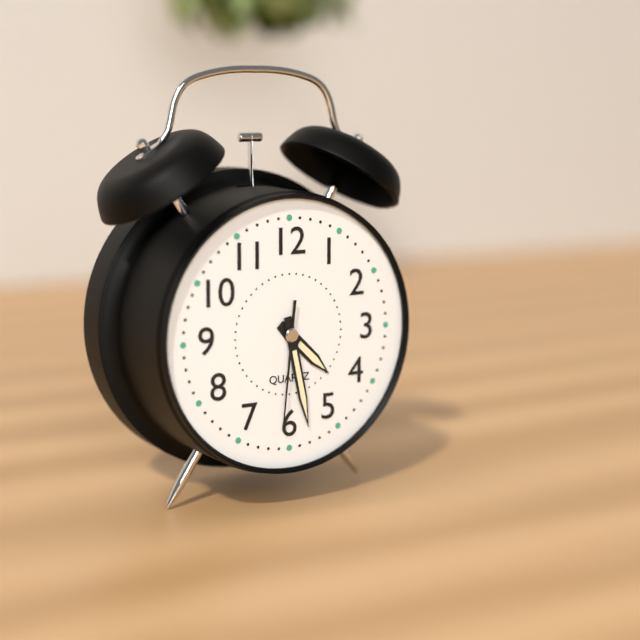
**4:28:31**
